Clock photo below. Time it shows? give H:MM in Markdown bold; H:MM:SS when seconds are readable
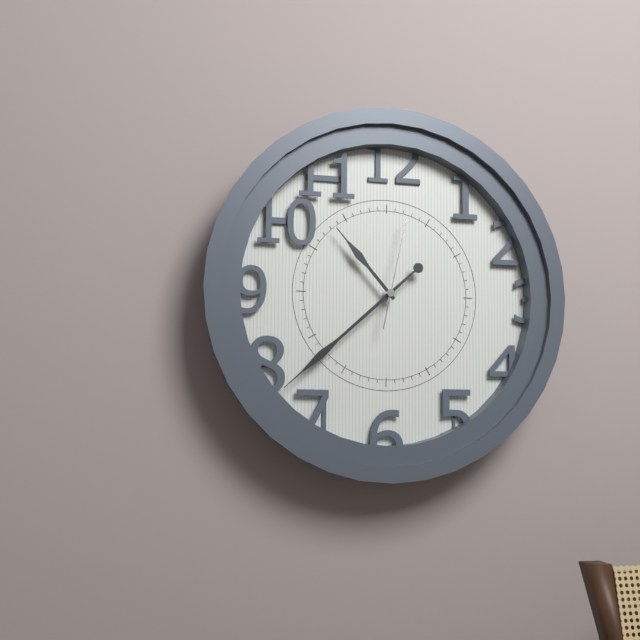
**10:38:02**
